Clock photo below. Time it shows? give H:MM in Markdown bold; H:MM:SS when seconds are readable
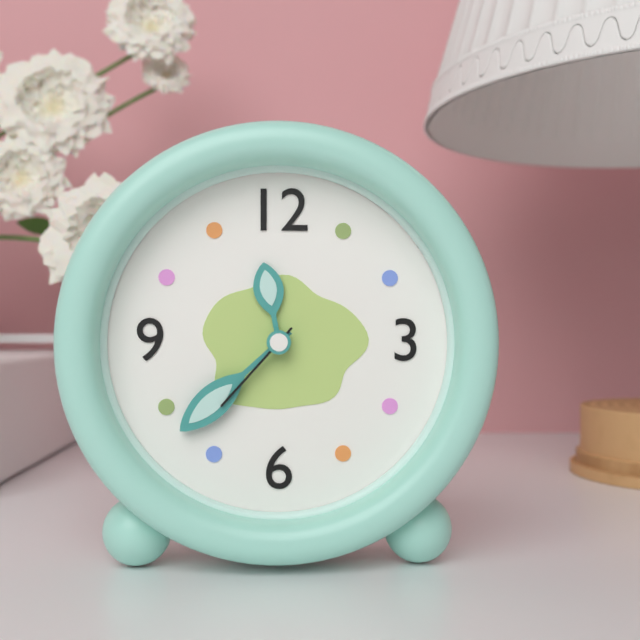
**11:38:37**
